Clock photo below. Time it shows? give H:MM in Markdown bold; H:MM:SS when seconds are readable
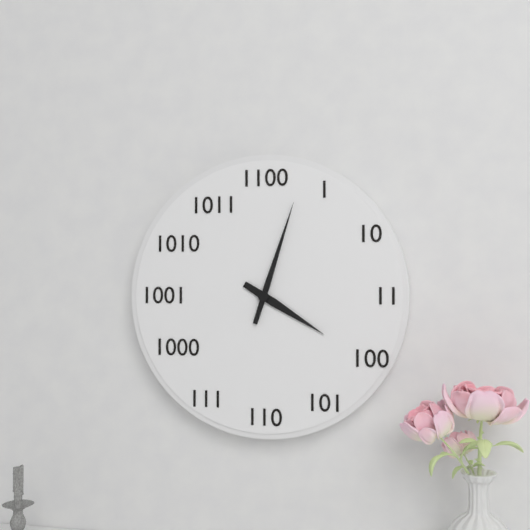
**4:03**
